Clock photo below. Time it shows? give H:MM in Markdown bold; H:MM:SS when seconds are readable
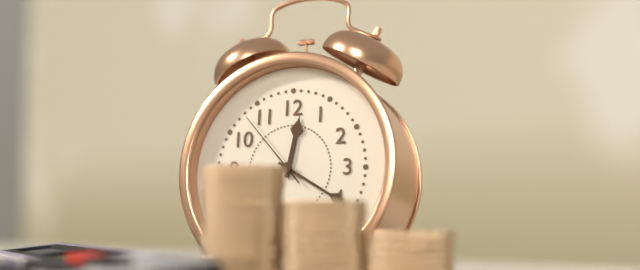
**12:20:53**
